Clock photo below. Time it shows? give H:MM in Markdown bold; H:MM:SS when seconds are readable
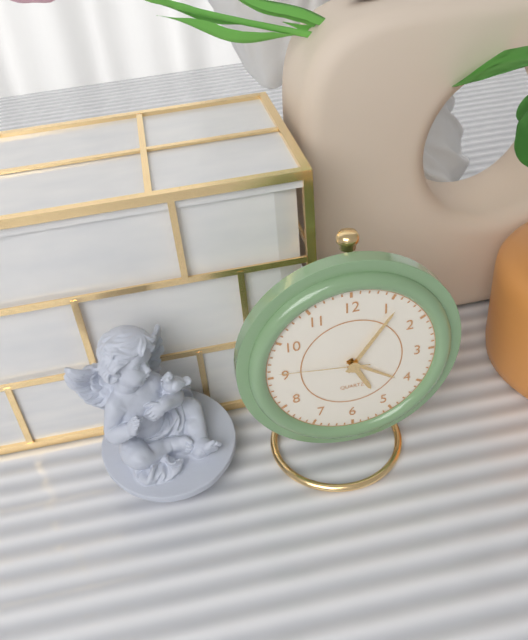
**5:06:46**
